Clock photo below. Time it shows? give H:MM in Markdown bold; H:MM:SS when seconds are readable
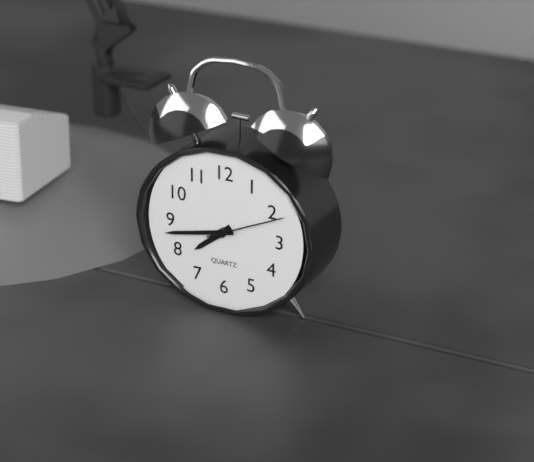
**7:43:11**
